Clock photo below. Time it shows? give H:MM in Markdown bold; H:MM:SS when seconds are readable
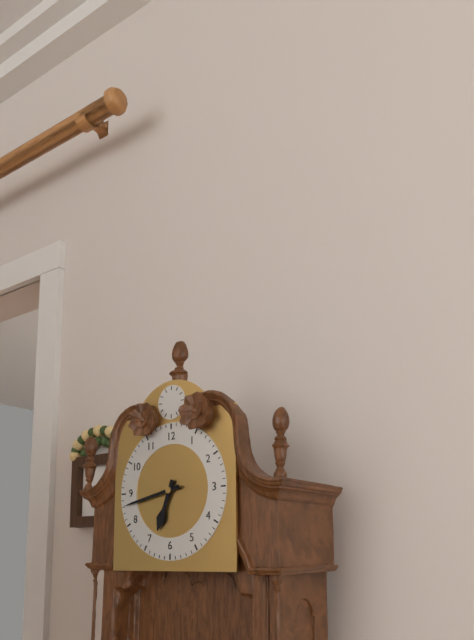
**6:43**
